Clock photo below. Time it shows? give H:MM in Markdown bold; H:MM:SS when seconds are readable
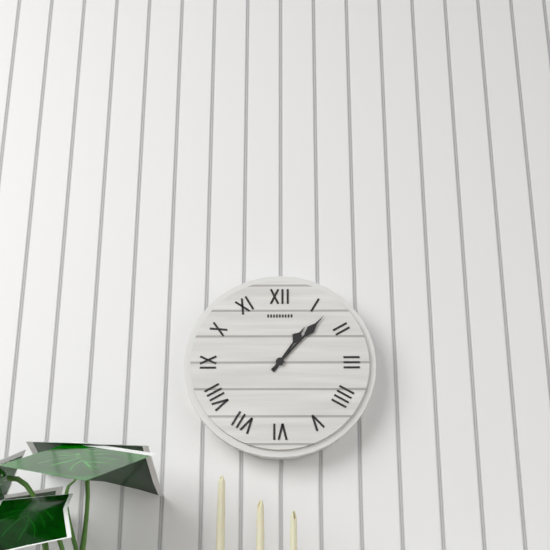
**1:07**
